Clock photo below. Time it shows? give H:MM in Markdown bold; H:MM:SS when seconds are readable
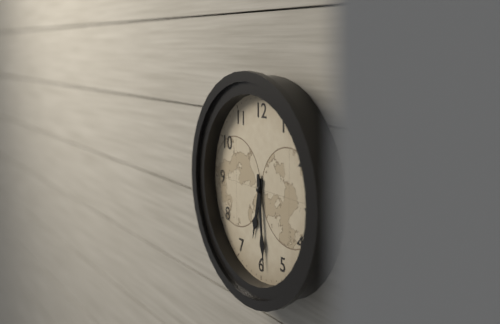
**6:29**
